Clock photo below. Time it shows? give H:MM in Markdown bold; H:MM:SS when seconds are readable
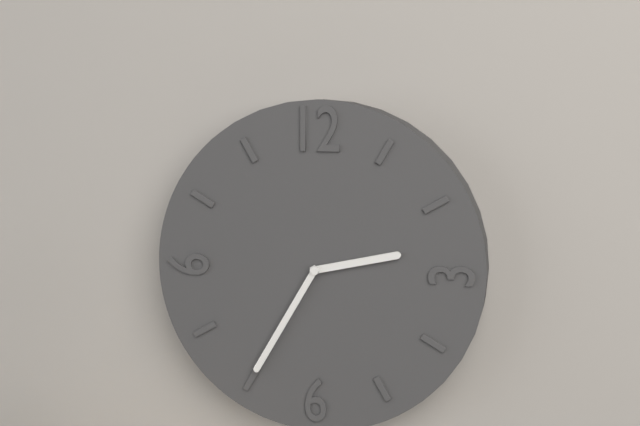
**2:35**
